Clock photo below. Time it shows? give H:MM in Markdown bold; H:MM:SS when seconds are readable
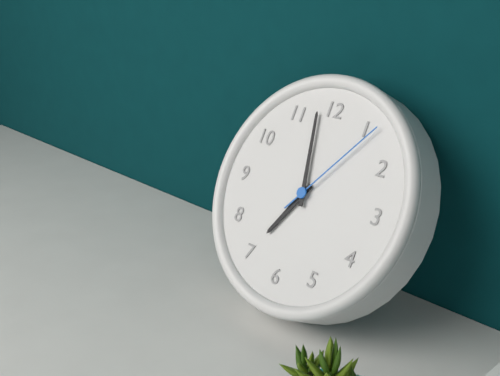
**6:58:06**
